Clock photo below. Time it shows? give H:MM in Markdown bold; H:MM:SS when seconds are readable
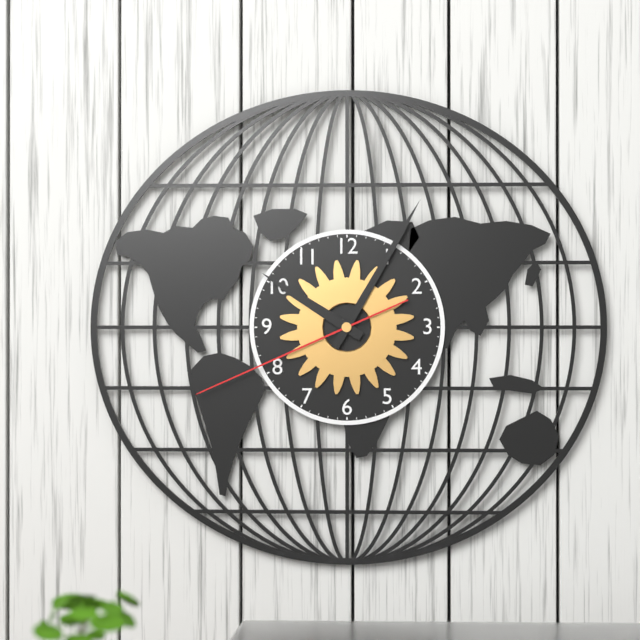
**10:05:41**
